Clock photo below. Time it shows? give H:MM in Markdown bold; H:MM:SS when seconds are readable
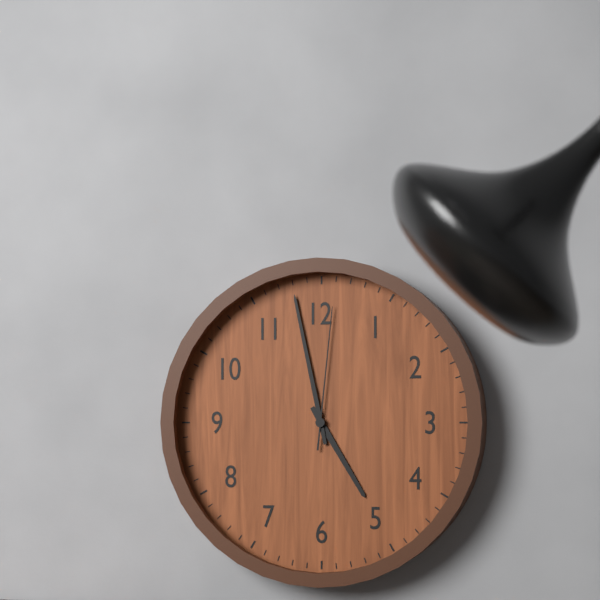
**4:58:01**
